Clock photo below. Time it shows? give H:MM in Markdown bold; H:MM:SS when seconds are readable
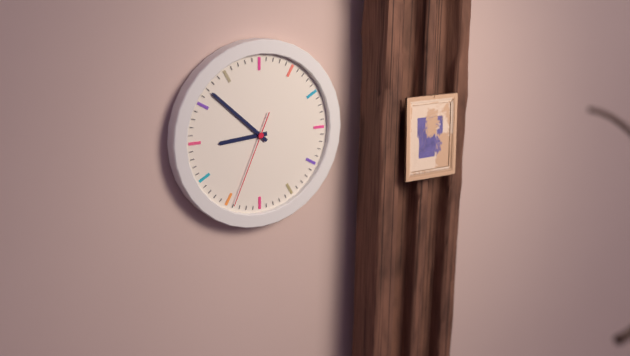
**8:52:34**
